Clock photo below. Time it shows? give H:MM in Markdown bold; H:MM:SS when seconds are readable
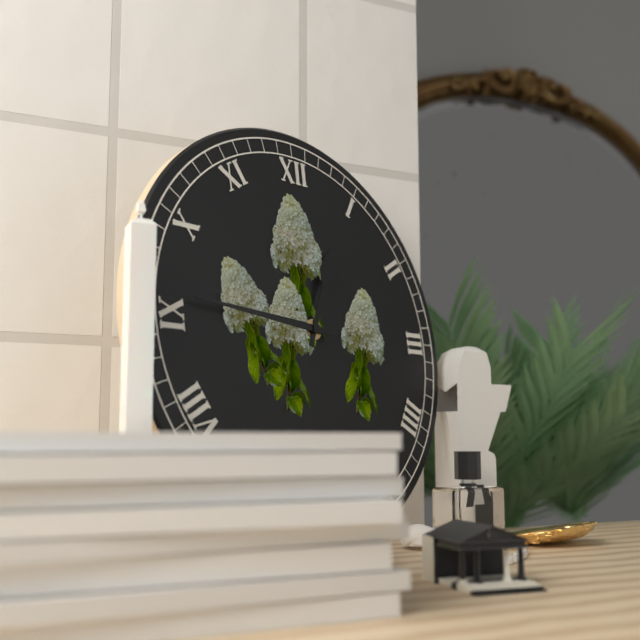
**12:46**
